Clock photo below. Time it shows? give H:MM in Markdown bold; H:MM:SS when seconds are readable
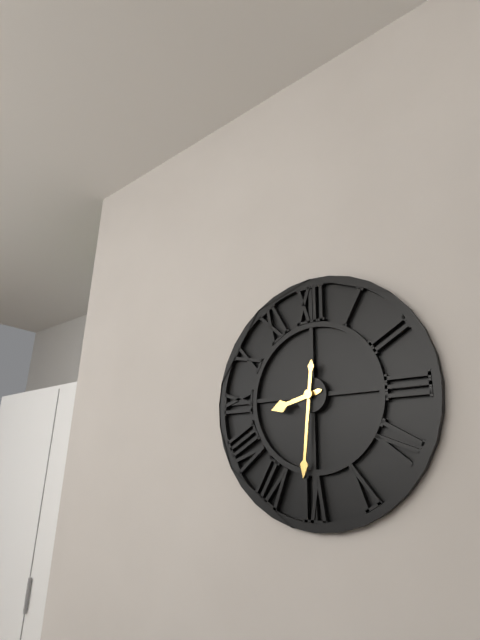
**8:31**
